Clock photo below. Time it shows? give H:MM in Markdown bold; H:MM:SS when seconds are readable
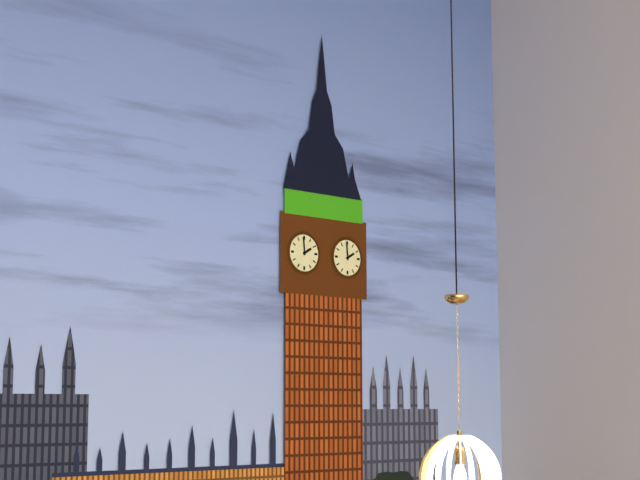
**1:59**
